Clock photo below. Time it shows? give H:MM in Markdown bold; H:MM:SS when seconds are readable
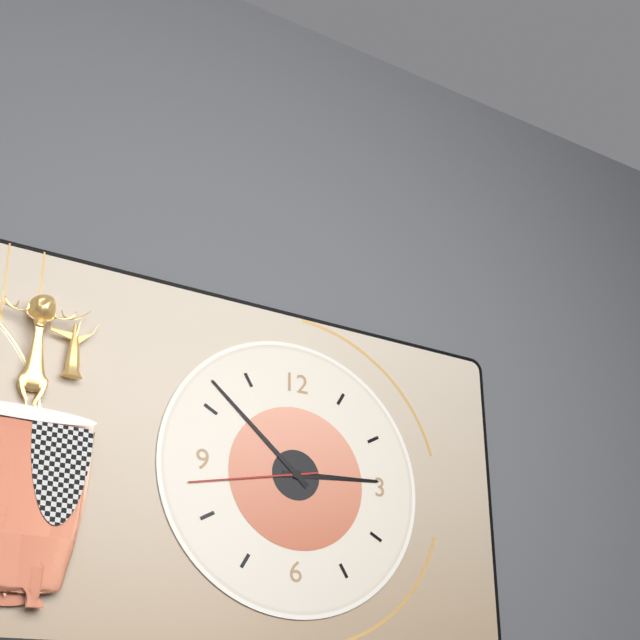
**2:52:43**
